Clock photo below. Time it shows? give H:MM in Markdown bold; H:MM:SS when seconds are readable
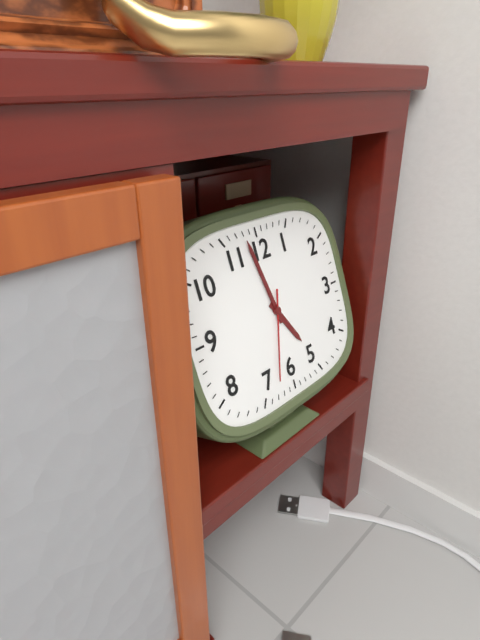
**4:58:33**
